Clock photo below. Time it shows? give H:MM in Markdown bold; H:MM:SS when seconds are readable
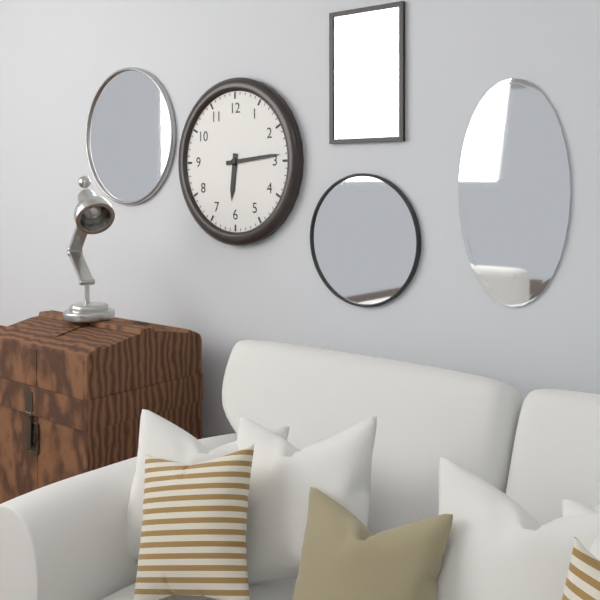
**6:14**
